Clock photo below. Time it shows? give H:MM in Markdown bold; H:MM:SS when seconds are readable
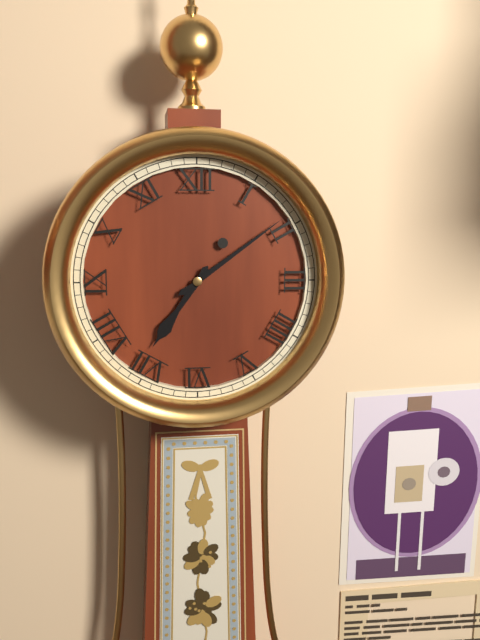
**7:09**
